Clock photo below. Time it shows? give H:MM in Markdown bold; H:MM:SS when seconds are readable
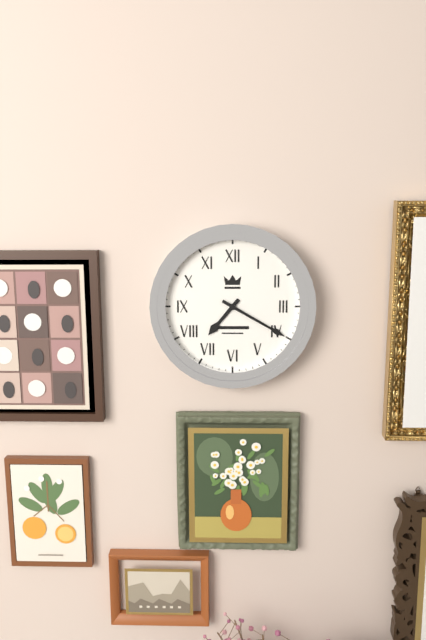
**7:20**
